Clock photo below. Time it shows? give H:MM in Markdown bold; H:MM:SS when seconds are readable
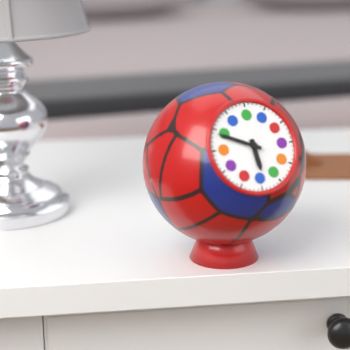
**5:49**
